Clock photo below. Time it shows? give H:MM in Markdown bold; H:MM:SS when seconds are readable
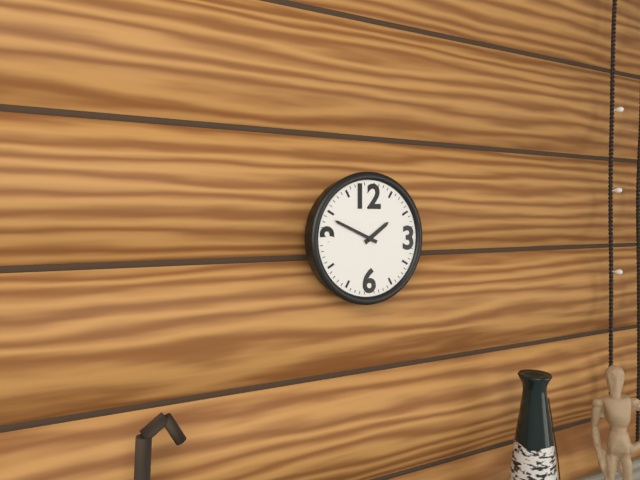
**1:49**
